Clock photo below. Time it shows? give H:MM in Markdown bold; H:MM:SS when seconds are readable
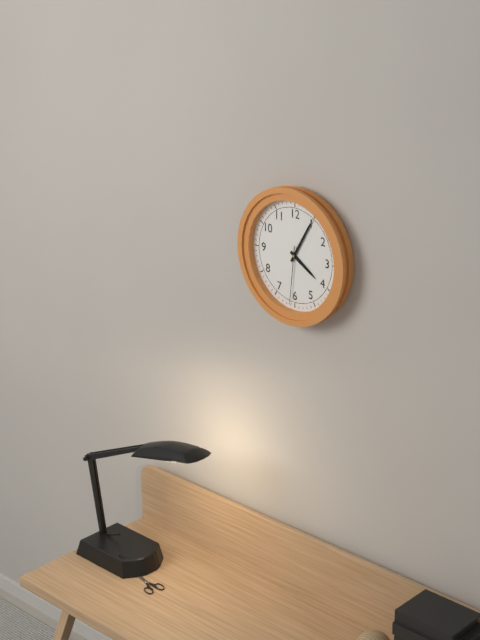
**4:05:31**
